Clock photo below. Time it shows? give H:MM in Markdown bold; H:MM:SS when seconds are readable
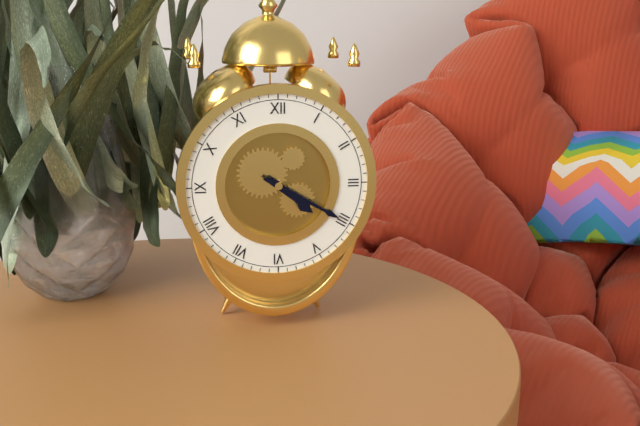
**4:20**
